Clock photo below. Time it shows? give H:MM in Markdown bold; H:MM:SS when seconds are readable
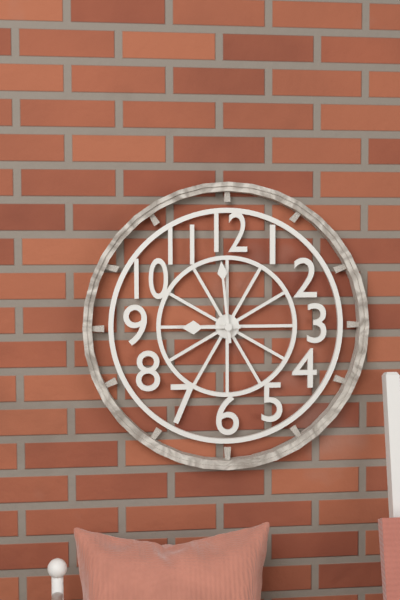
**8:59**
